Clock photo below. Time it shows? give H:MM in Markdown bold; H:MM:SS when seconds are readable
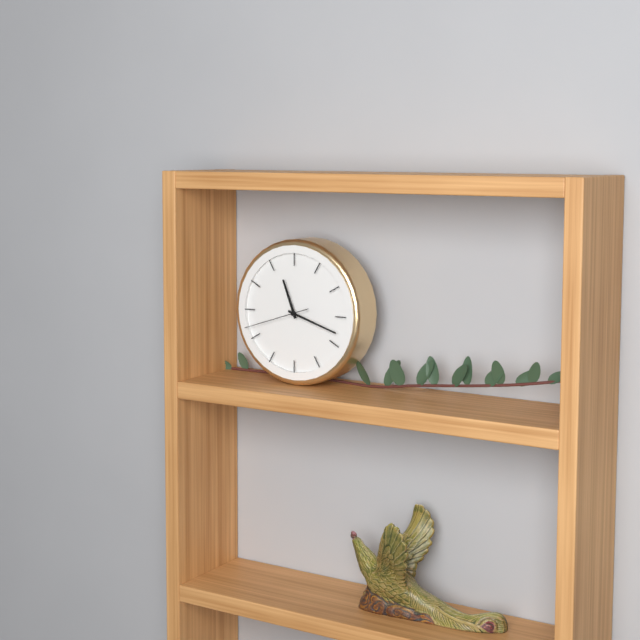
**11:18:42**
